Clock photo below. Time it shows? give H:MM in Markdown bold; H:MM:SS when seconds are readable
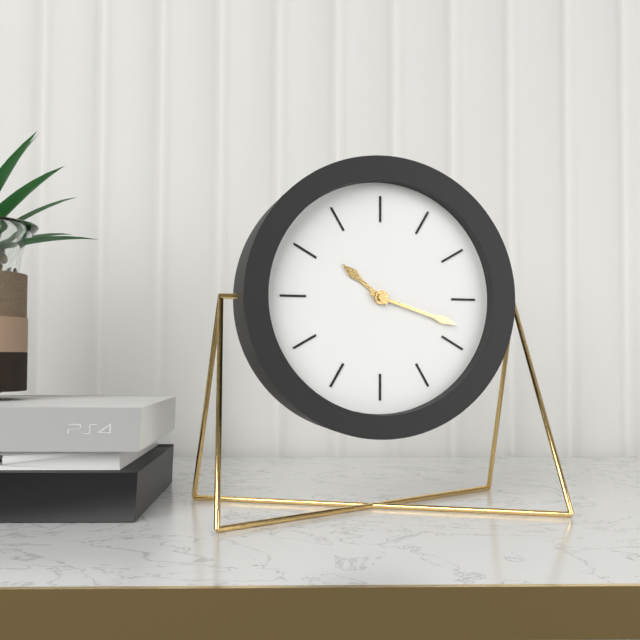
**10:18**
